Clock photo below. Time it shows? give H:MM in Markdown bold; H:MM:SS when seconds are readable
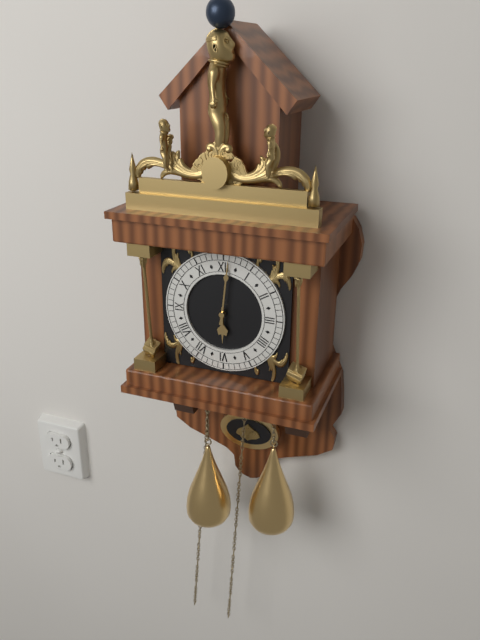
**6:01**
